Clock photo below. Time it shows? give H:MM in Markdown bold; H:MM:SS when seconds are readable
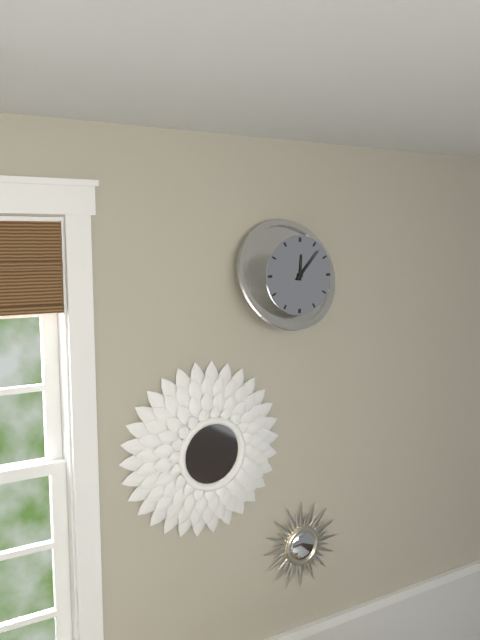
**12:07**
